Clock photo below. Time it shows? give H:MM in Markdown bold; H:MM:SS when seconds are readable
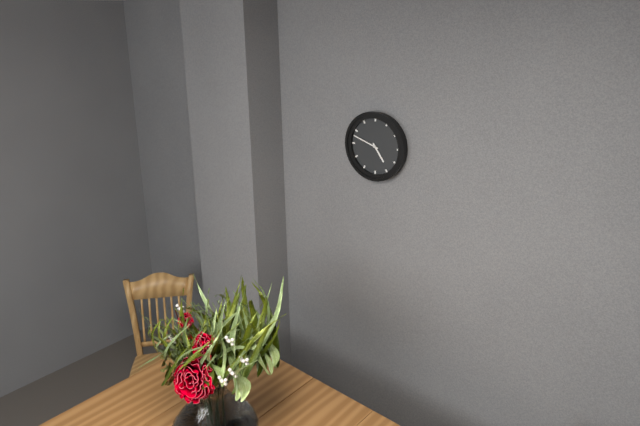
**4:48**
